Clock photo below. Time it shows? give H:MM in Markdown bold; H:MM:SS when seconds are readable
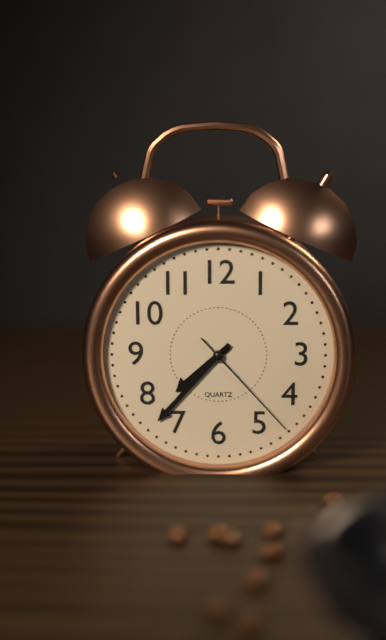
**7:37:23**
